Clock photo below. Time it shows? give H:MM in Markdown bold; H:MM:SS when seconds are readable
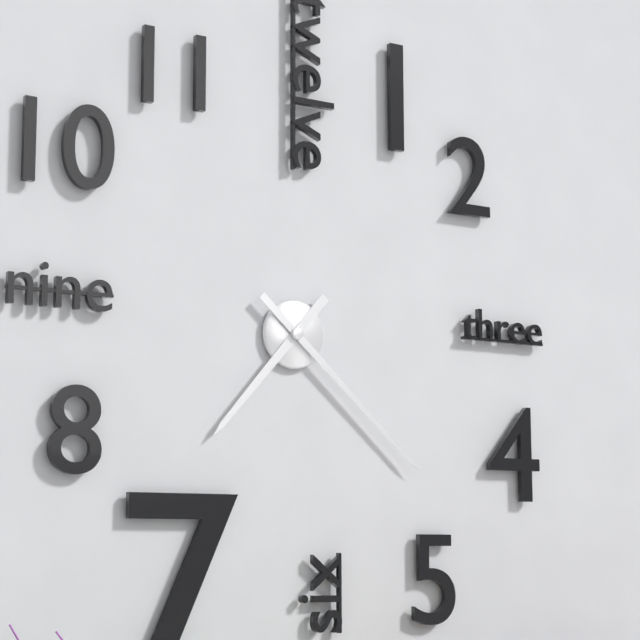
**7:22**
